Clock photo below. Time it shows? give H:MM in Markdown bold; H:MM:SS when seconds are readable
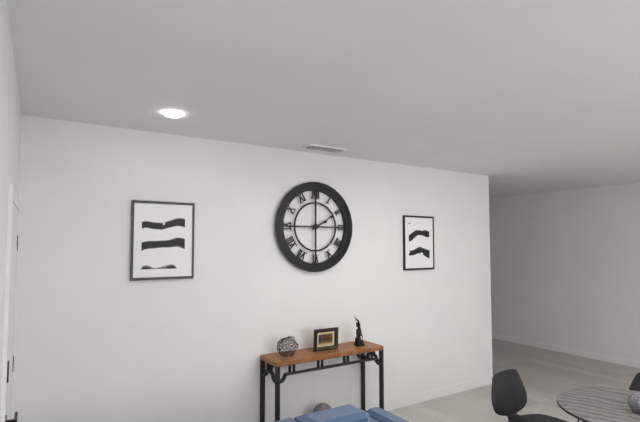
**2:10**
